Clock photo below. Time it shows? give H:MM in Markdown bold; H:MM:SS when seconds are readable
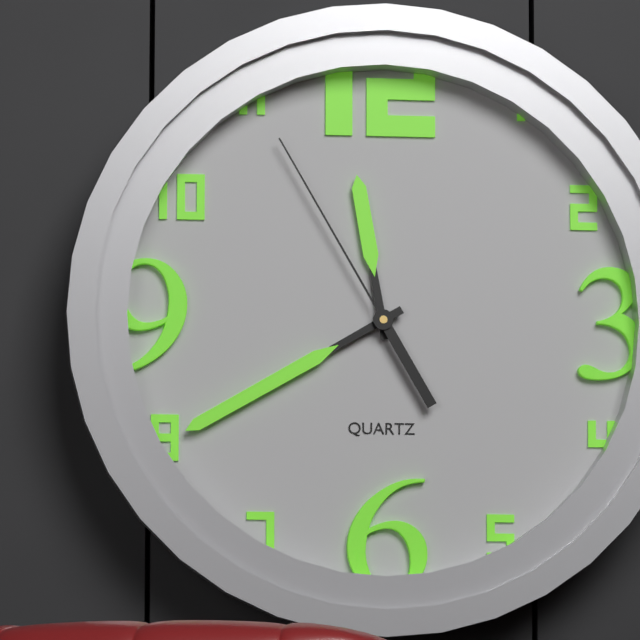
**11:40:55**
